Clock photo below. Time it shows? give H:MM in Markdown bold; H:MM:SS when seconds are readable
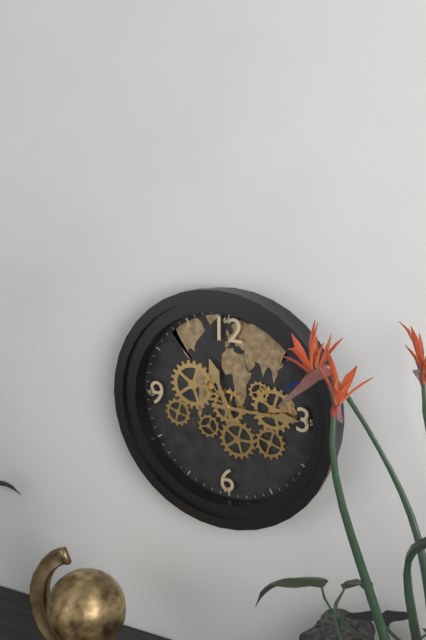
**11:15**
